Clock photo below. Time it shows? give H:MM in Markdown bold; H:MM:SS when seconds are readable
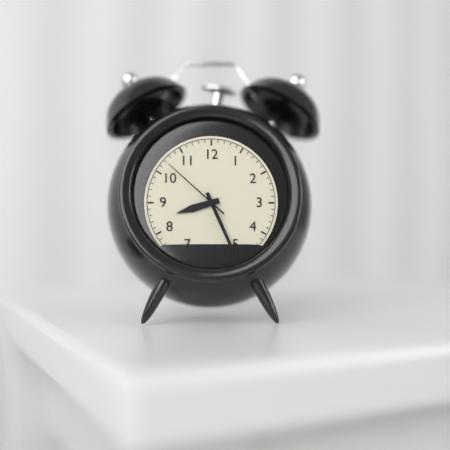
**8:26:52**
